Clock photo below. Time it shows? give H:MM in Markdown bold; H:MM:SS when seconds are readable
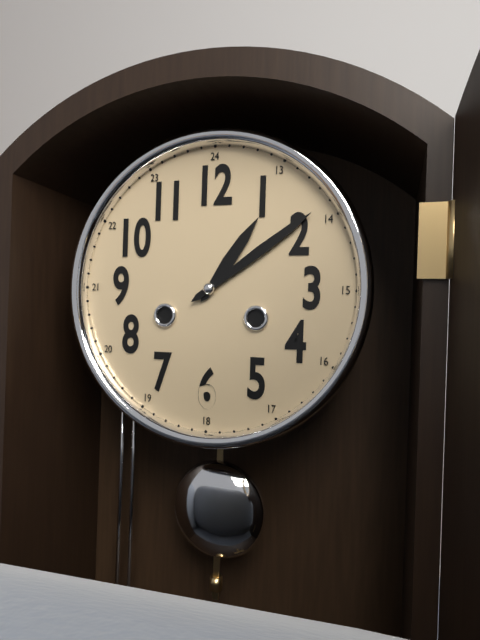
**1:09**
